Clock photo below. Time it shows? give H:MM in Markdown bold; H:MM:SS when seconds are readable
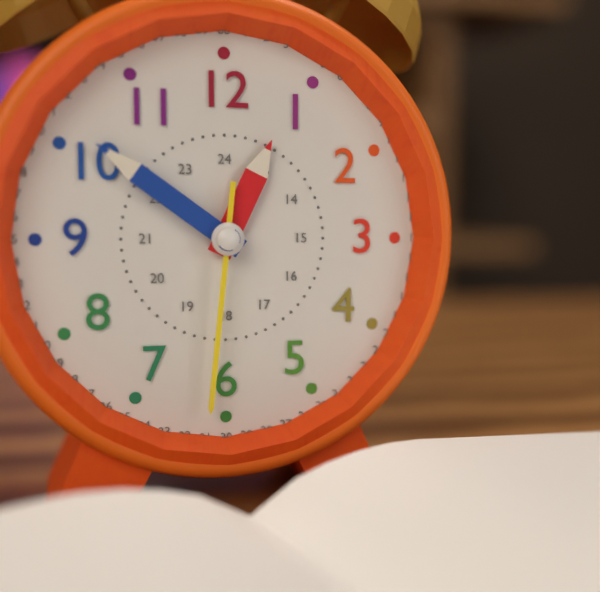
**12:51:31**
